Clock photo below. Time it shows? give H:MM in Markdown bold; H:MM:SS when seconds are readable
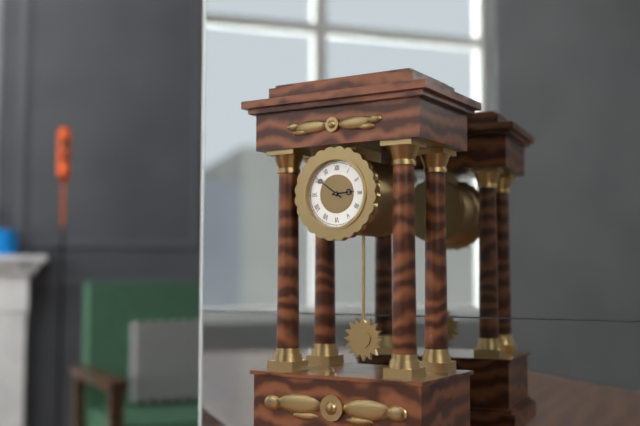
**2:51**
